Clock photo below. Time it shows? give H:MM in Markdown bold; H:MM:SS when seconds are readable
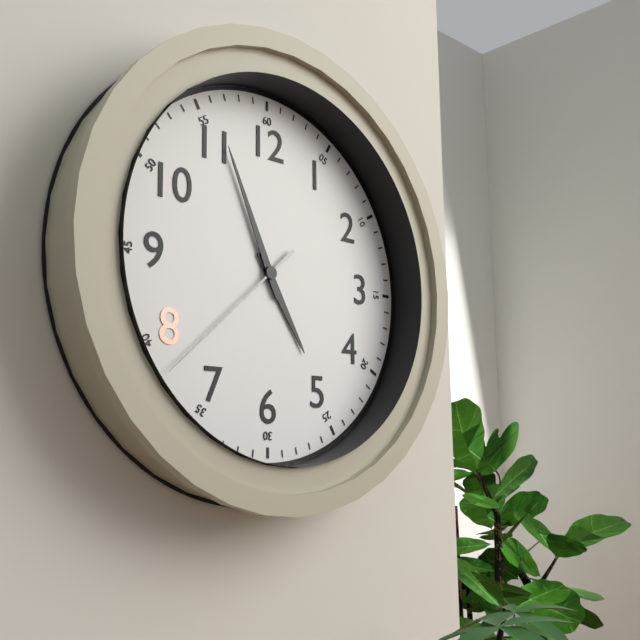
**4:56:38**
